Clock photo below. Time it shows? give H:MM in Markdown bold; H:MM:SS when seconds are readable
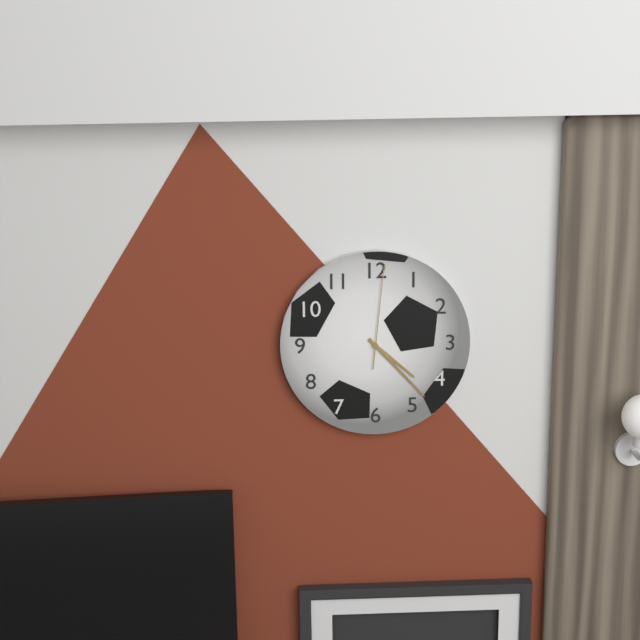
**4:23:01**
